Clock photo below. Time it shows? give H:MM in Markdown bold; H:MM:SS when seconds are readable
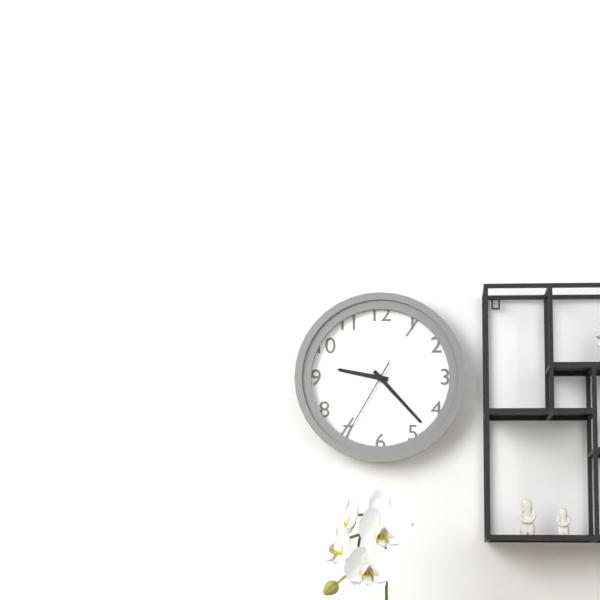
**9:23:35**
